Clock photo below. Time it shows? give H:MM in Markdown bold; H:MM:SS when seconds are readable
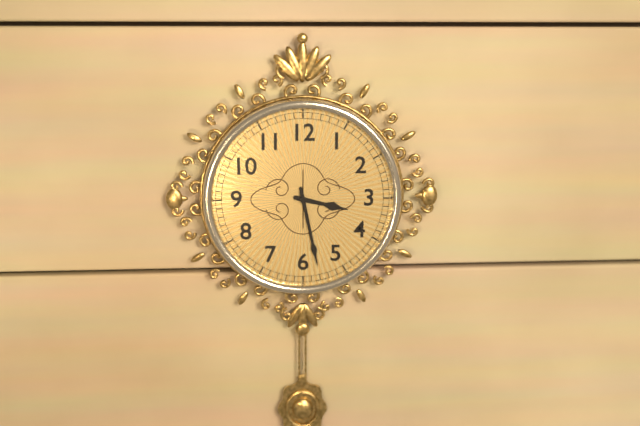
**3:28**
